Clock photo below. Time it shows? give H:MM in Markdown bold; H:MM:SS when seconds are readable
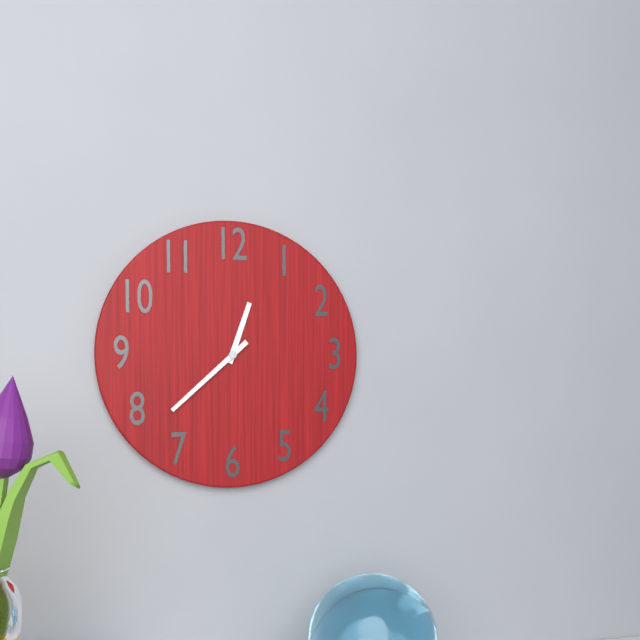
**12:38**
